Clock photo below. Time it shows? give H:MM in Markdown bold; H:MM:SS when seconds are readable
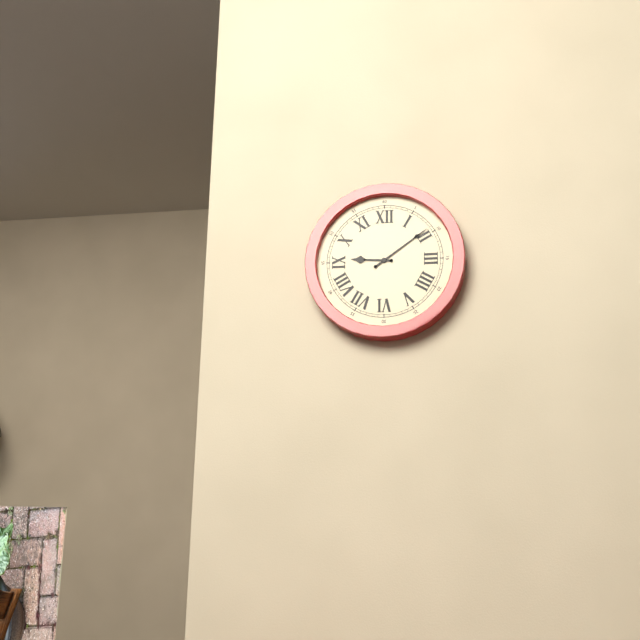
**9:09**
